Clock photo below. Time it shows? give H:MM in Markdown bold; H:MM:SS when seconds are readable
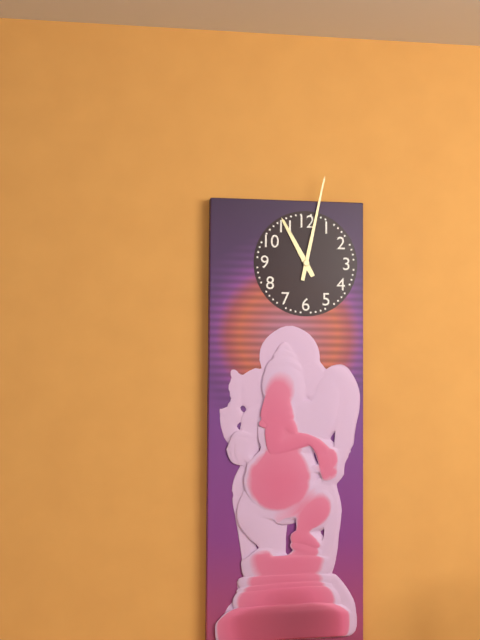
**11:02**
